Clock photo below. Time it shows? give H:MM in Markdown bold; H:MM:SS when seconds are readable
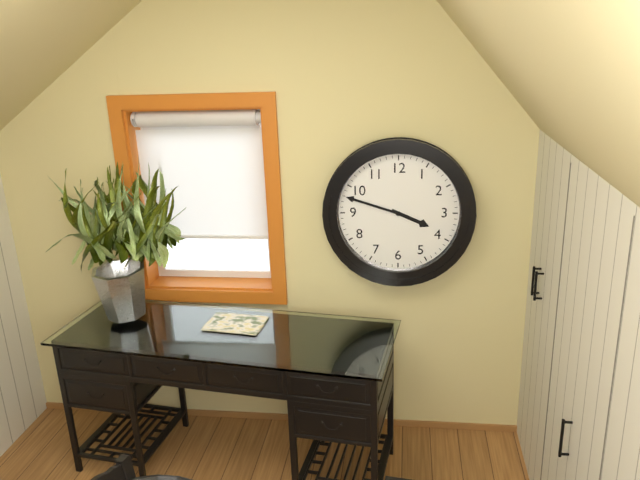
**3:48**
